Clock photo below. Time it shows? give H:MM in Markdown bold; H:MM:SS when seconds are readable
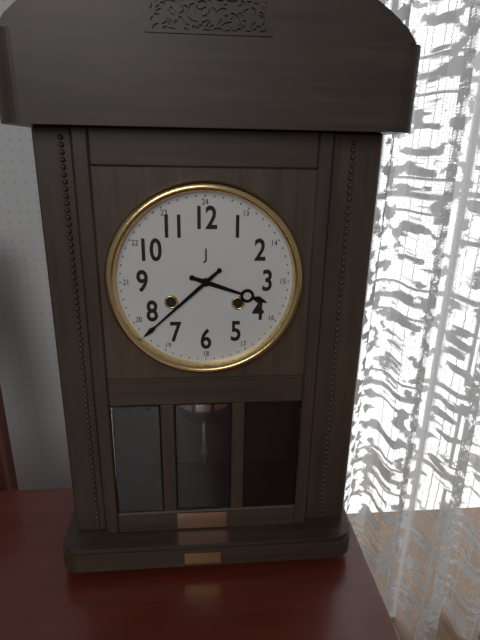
**3:38**
